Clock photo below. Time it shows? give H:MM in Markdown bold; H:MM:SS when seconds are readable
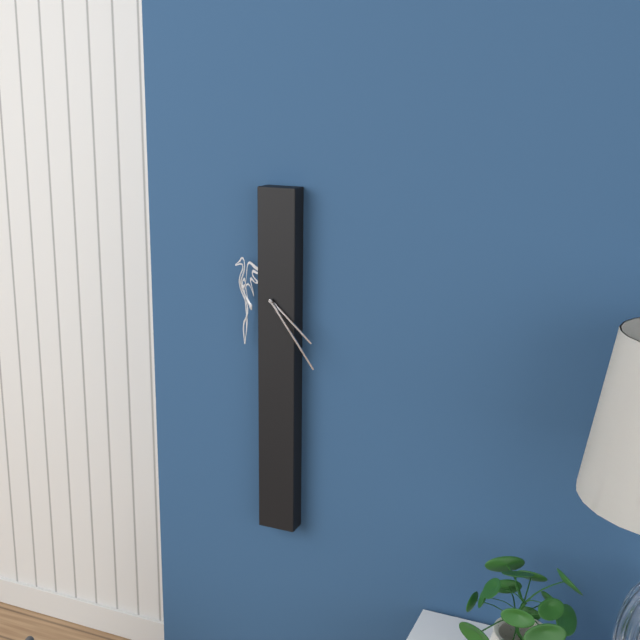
**4:24**
